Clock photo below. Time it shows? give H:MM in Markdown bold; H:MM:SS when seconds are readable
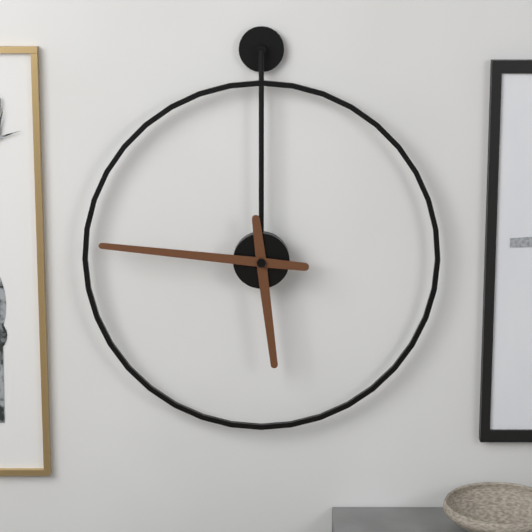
**5:46**
